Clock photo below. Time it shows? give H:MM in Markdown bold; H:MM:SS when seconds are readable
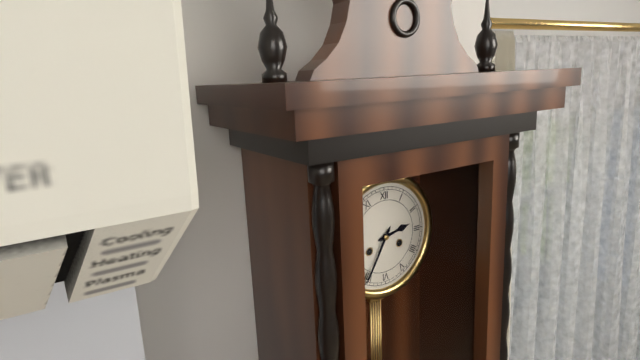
**2:35**
